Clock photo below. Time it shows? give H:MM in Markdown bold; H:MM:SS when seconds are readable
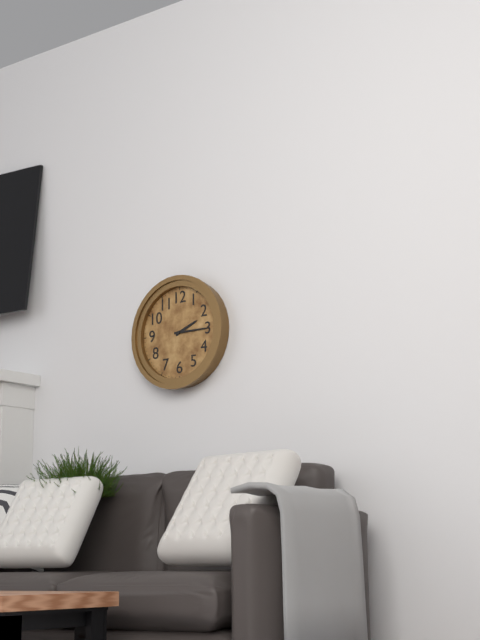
**2:15**
